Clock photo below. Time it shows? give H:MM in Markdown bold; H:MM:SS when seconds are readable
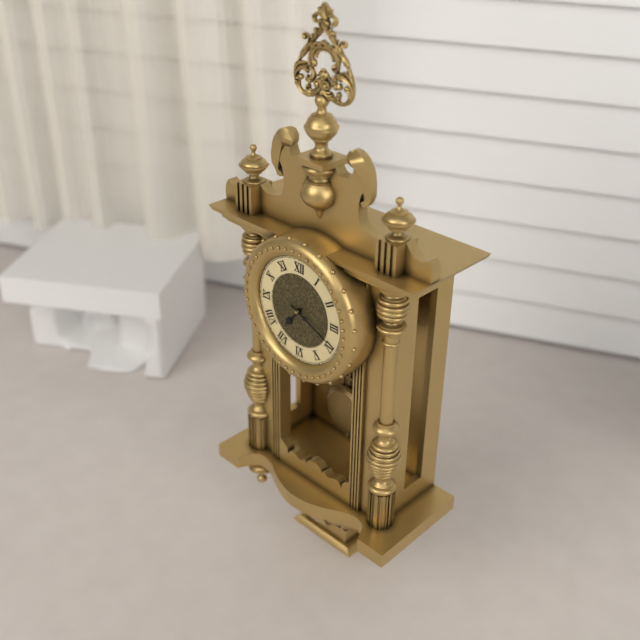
**7:19**
